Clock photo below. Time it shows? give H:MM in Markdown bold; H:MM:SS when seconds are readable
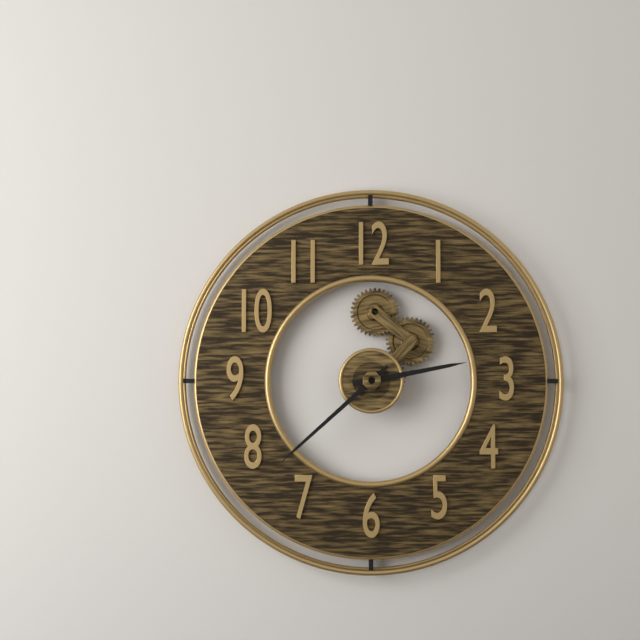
**2:38**
